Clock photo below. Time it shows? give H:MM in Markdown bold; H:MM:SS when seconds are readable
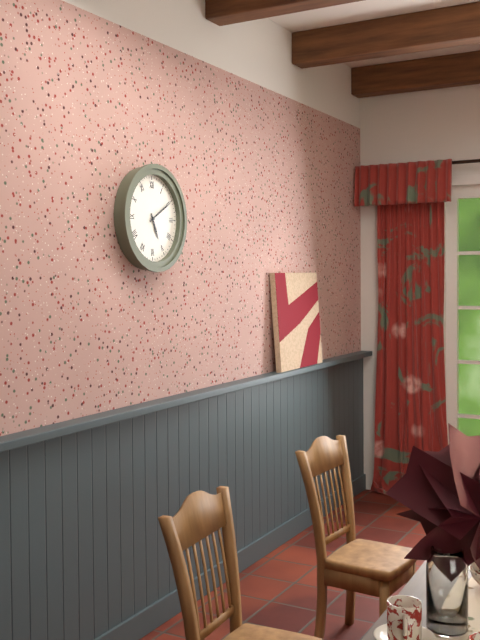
**5:10**
